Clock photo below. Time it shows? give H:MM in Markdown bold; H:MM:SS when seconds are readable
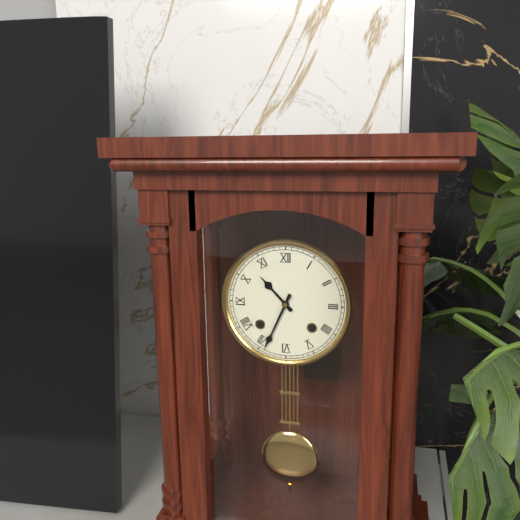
**10:34**
